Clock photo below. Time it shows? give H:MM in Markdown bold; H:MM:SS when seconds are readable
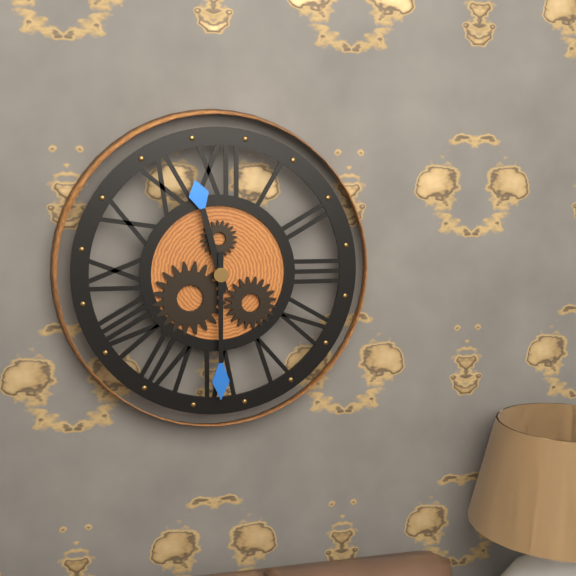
**11:30**
